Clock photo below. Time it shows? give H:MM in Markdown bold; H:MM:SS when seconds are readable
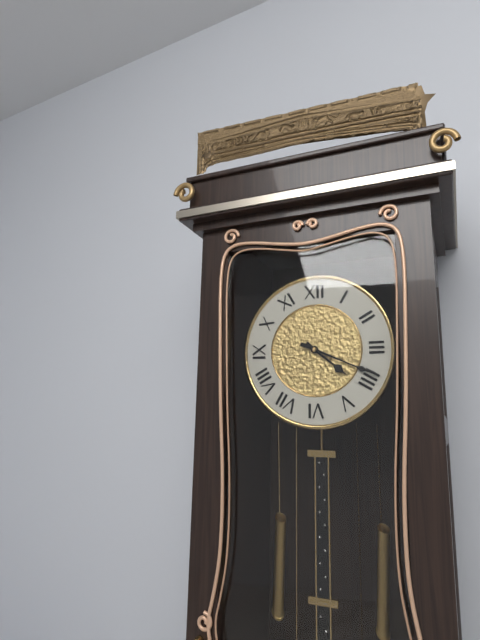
**4:19**
